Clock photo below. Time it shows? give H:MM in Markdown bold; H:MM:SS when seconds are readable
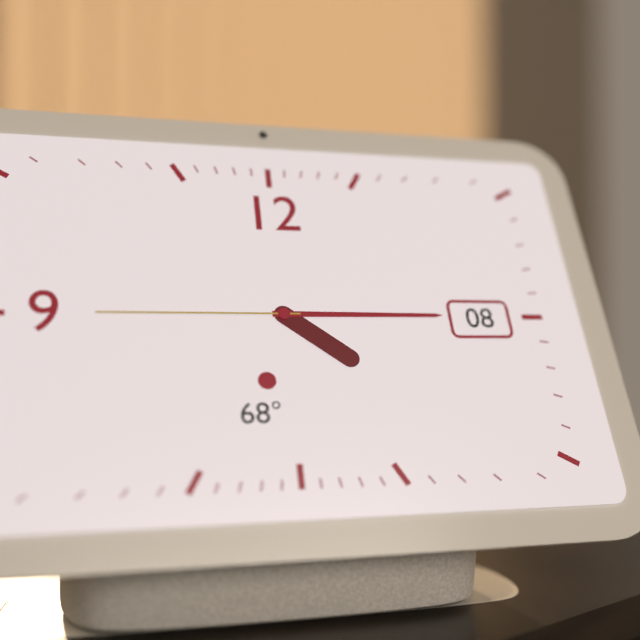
**4:15:45**
